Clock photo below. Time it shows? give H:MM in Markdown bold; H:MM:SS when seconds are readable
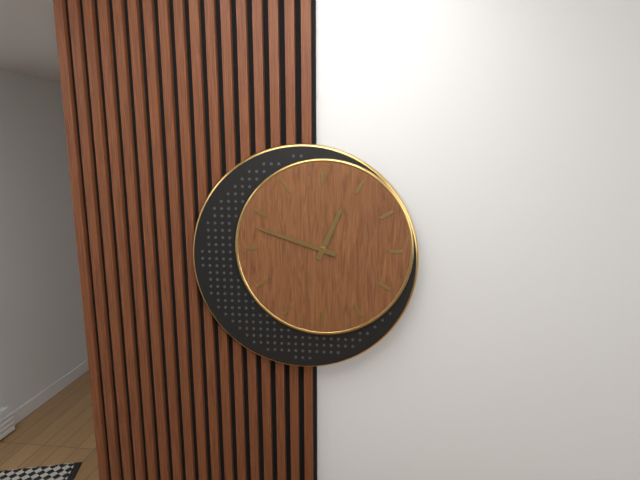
**12:48**
